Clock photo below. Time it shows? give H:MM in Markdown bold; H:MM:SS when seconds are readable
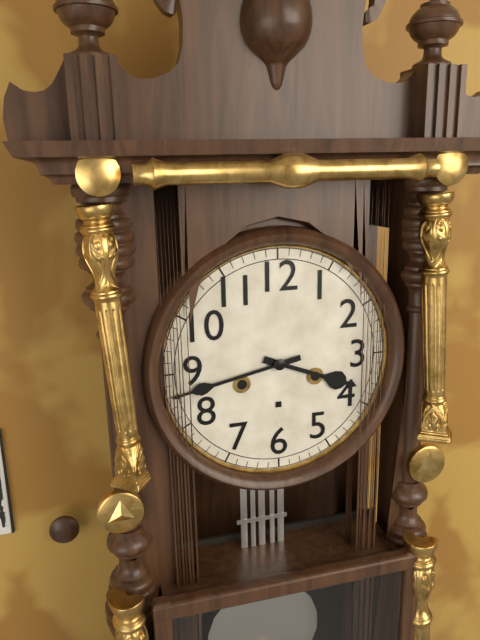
**3:43**
